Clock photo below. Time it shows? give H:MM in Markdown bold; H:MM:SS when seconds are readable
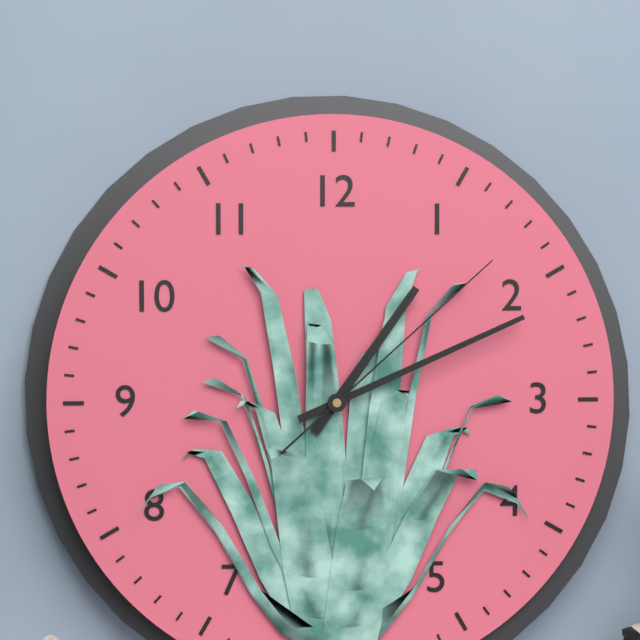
**1:11:08**
